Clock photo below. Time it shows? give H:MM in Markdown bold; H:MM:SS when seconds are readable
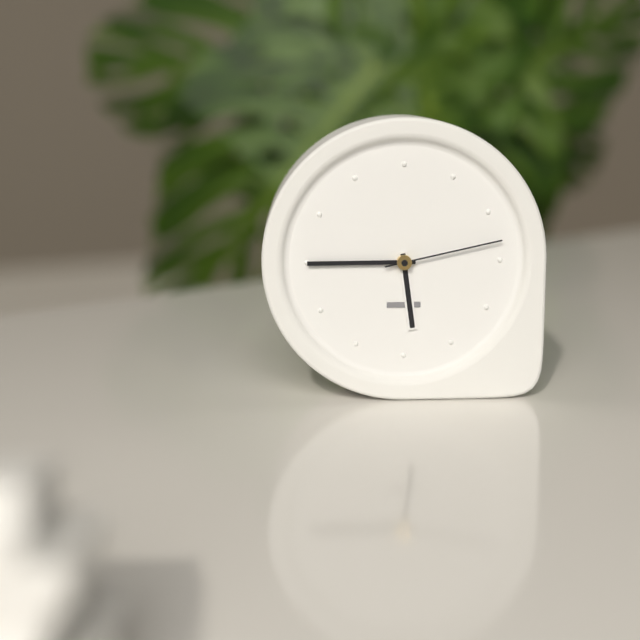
**5:45:13**
